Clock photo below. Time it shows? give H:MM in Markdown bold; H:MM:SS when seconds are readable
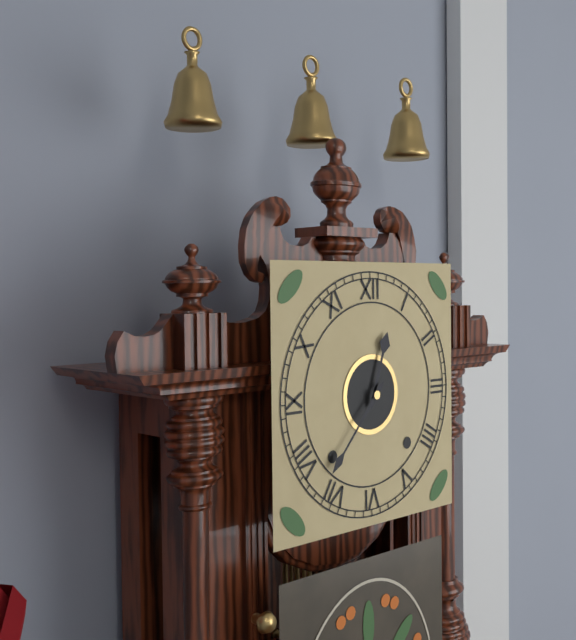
**12:37**
